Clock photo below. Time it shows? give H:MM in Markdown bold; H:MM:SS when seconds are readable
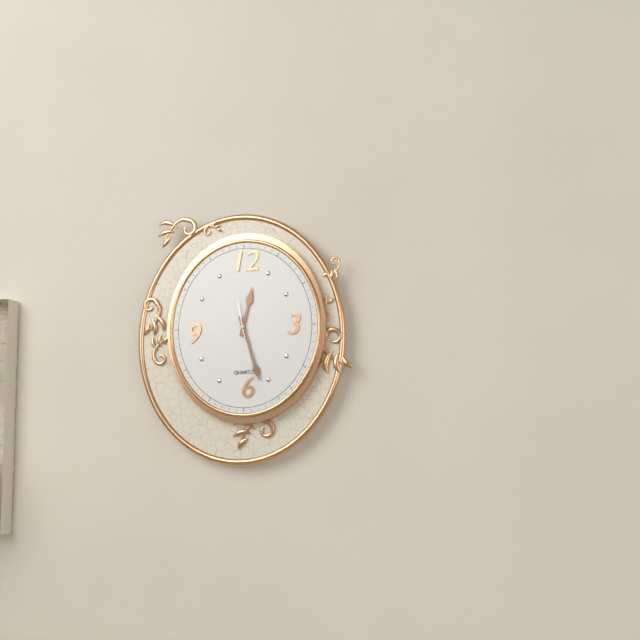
**12:27:28**
